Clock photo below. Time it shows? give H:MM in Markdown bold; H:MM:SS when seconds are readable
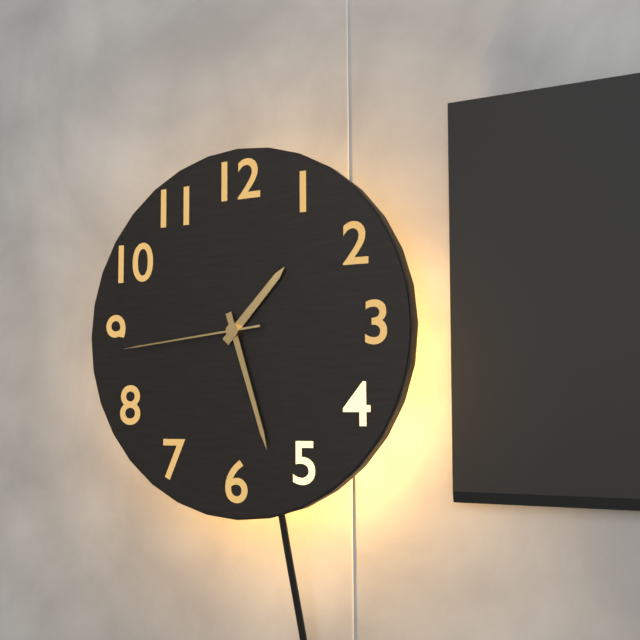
**1:27:44**
